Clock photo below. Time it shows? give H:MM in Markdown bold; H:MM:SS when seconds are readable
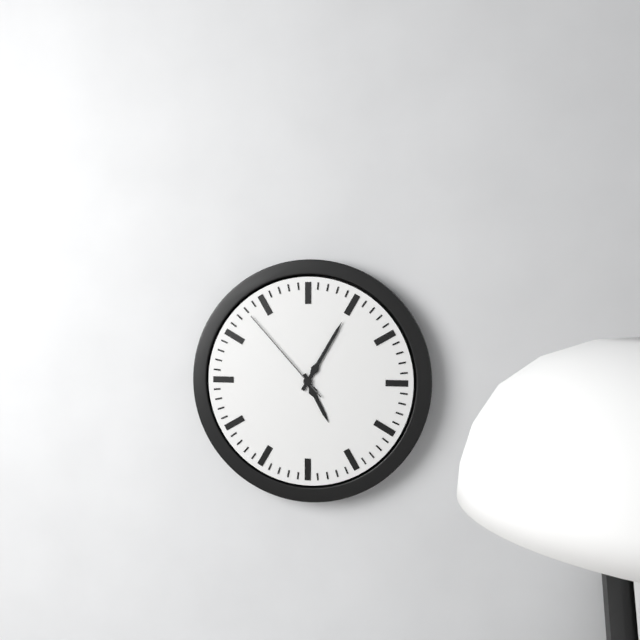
**5:05:53**
